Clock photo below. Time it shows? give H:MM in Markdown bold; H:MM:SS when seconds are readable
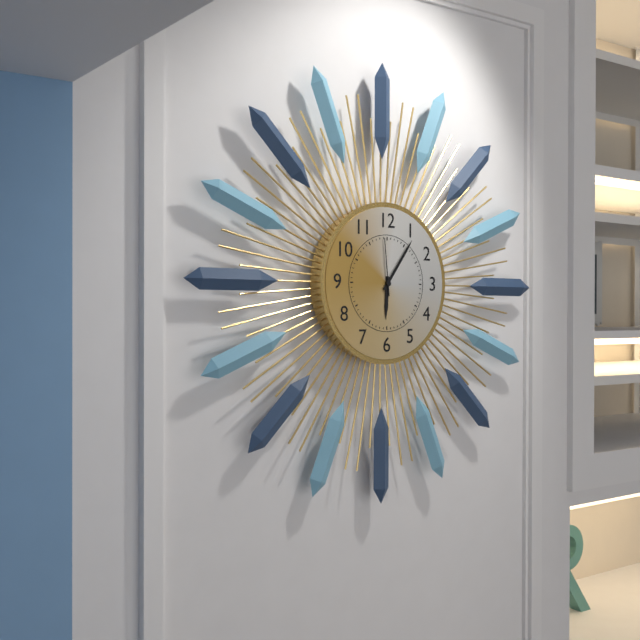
**6:06:59**
